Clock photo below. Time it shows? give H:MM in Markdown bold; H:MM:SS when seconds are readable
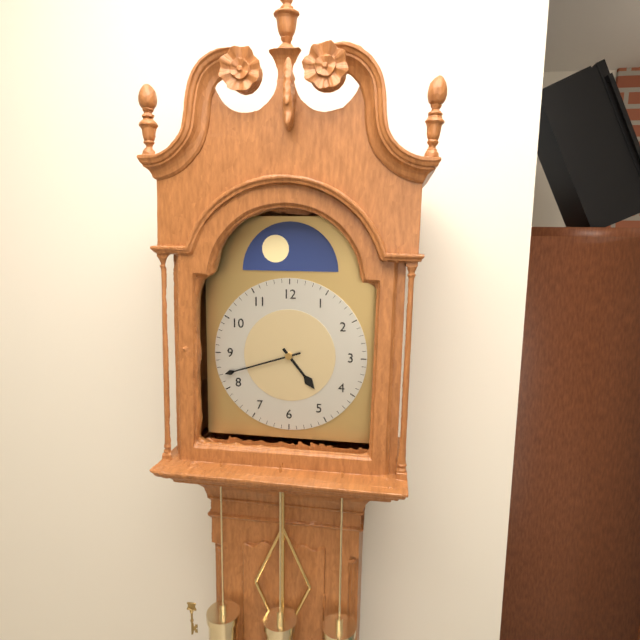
**4:42**
